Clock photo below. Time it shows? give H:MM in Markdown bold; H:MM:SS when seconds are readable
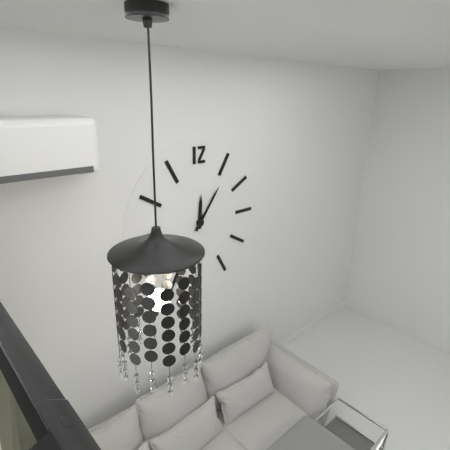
**12:06**
